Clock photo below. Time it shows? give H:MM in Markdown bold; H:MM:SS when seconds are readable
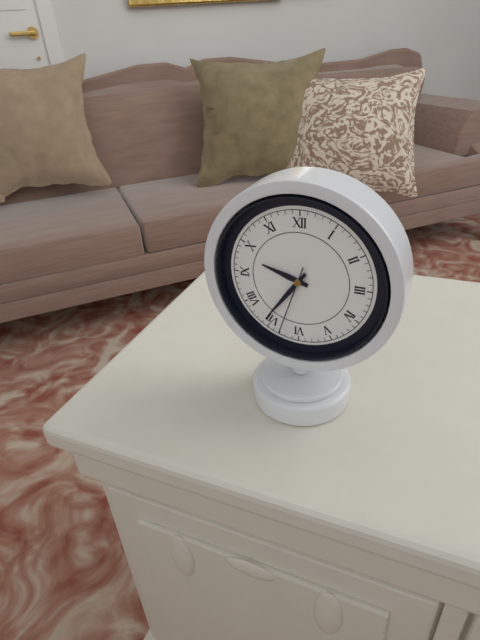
**9:36:33**
